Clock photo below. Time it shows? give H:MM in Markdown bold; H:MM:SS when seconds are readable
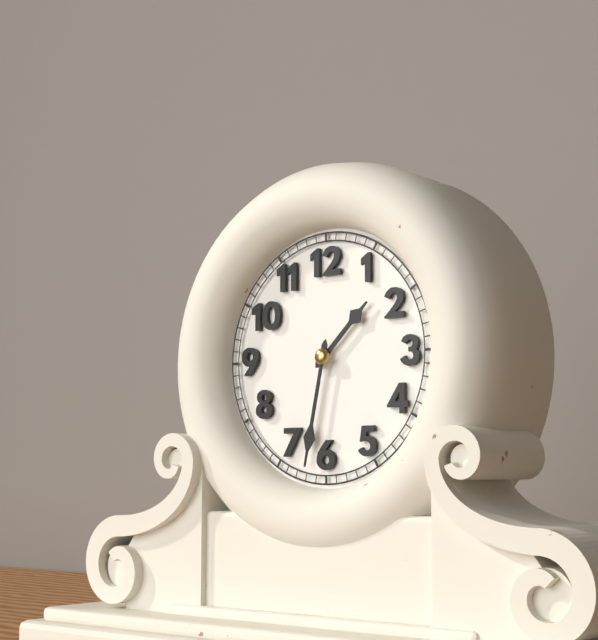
**1:32**
